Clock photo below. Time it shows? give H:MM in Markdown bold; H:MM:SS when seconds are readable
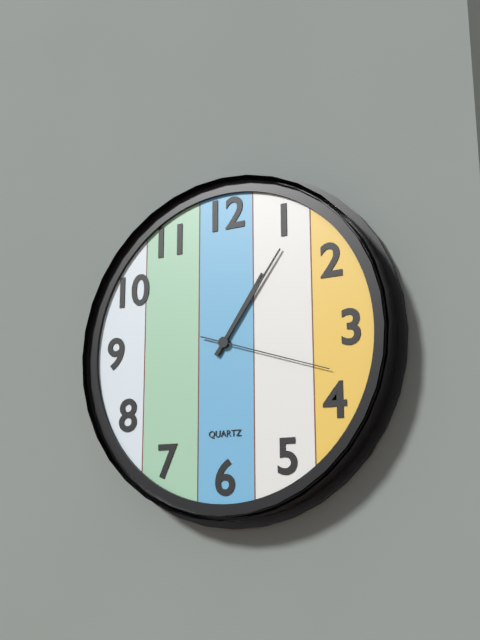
**1:06:18**
